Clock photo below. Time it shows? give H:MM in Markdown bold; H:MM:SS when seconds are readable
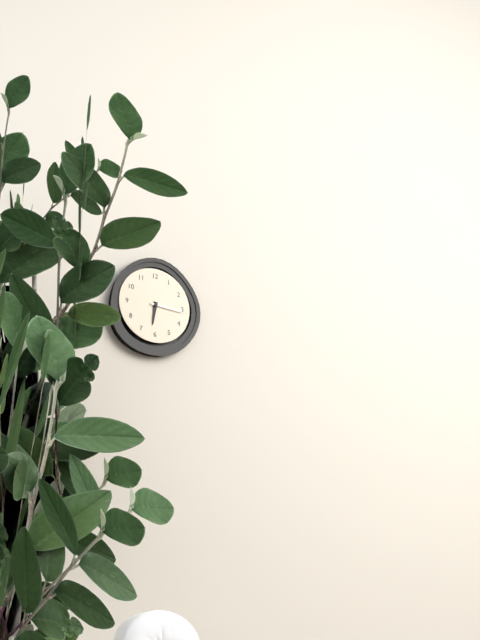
**6:16**
